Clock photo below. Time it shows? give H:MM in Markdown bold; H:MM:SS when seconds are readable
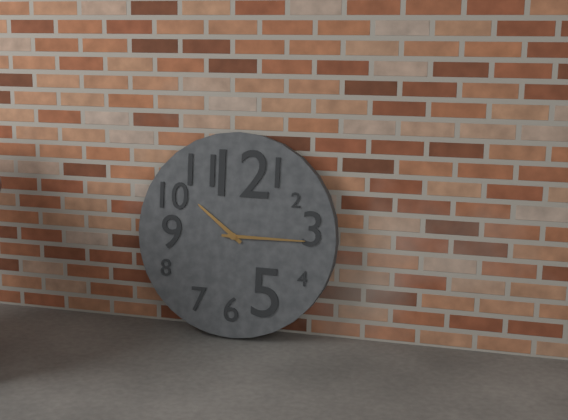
**10:15**
